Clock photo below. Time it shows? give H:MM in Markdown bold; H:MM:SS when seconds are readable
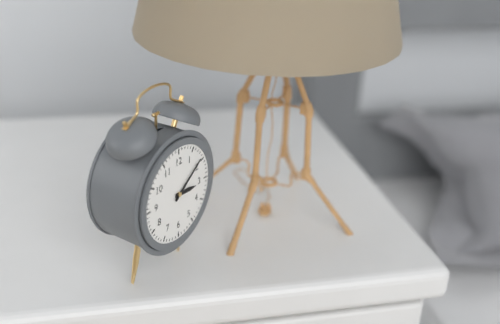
**3:09**
